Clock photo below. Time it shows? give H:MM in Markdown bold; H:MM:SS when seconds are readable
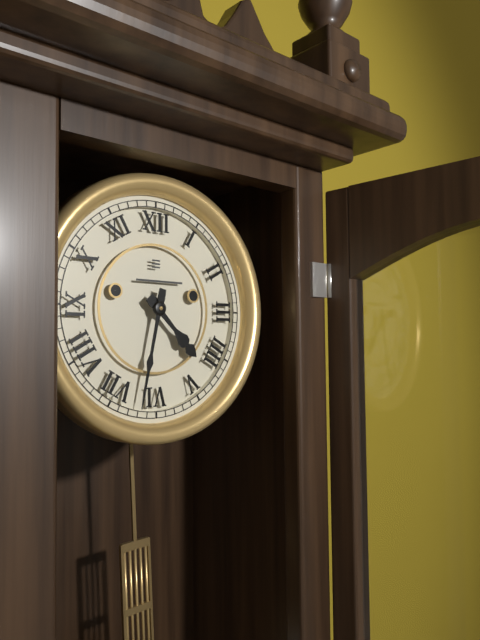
**4:32**
